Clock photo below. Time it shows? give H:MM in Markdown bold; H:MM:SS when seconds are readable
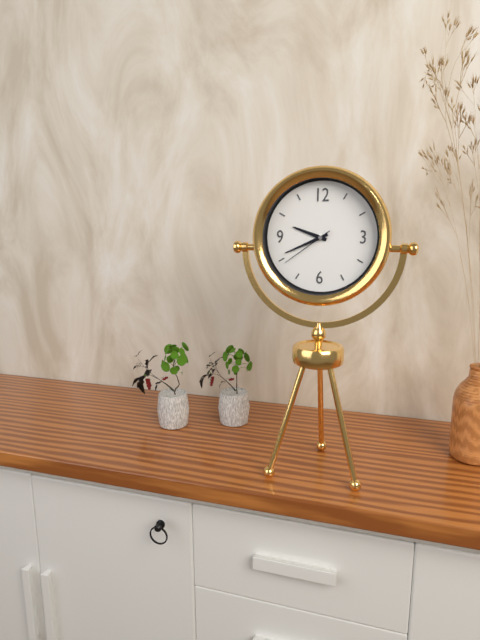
**9:41:39**
